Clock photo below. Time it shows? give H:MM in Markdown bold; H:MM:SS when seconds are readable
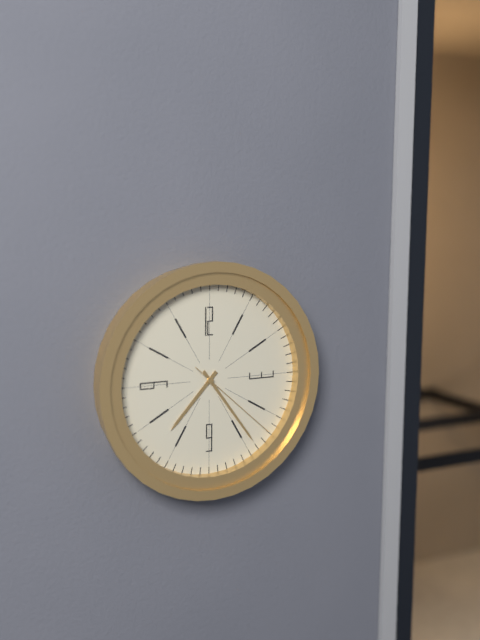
**7:24:22**
